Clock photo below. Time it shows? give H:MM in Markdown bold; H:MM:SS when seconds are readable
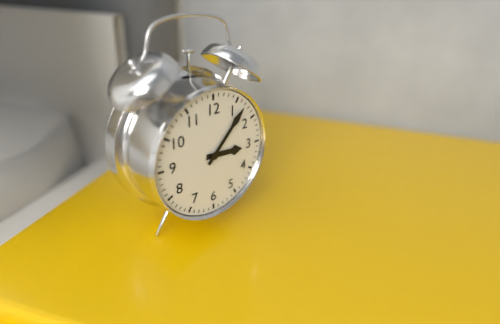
**3:07**
